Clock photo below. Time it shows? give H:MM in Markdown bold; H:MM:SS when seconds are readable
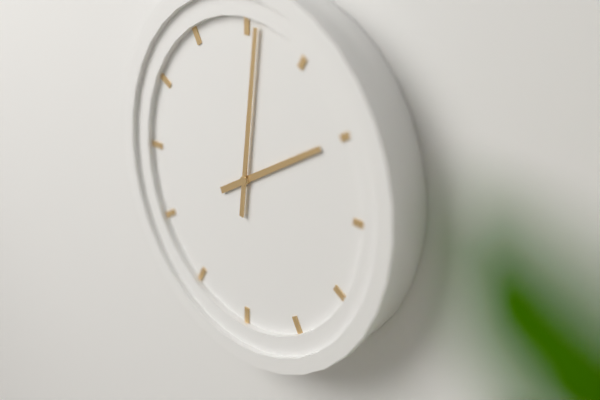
**2:01**
